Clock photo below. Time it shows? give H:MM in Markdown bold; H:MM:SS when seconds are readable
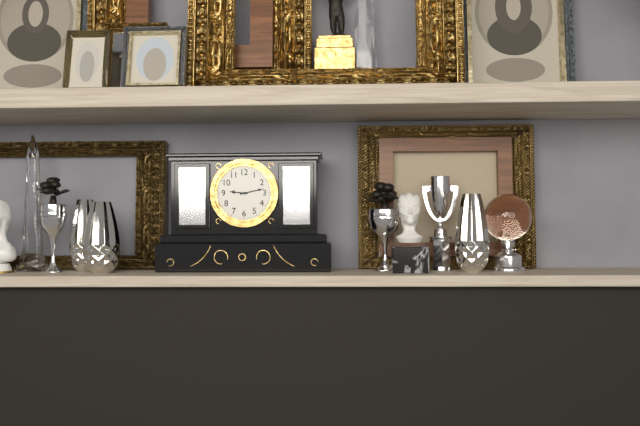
**9:13**
